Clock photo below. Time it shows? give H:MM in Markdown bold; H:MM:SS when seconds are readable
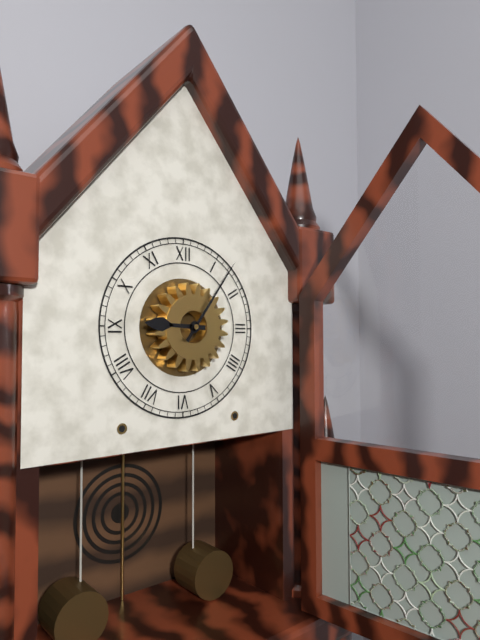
**9:06**
